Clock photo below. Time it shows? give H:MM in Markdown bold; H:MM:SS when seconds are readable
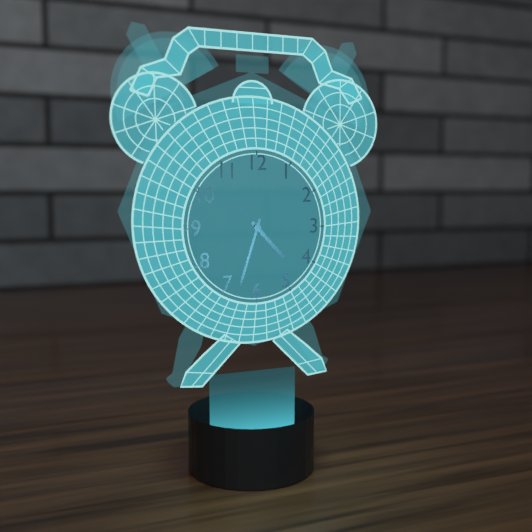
**4:33**
